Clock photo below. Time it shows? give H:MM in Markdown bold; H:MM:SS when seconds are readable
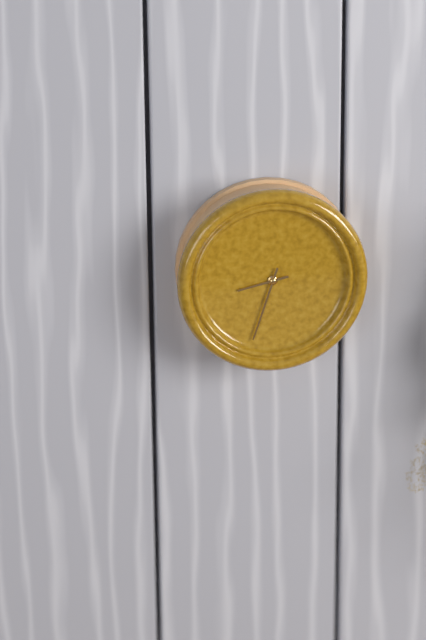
**8:33**
